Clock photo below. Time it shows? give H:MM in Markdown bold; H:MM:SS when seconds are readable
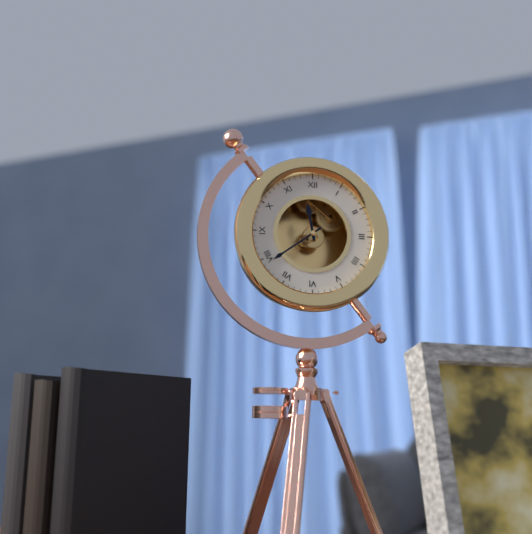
**11:39**
